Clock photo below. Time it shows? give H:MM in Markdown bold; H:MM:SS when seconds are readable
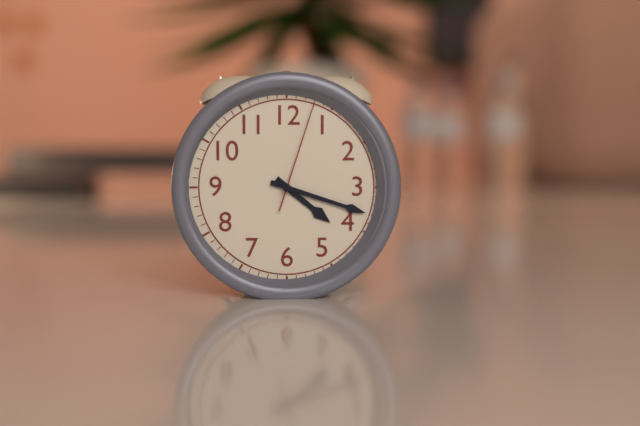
**4:18:03**
